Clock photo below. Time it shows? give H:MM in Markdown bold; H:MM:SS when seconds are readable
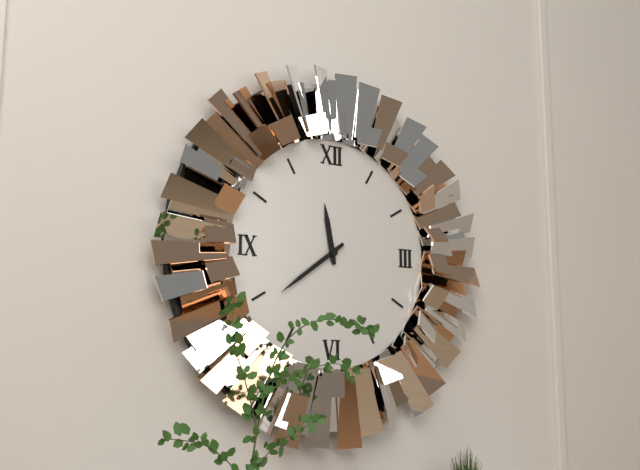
**11:39**
